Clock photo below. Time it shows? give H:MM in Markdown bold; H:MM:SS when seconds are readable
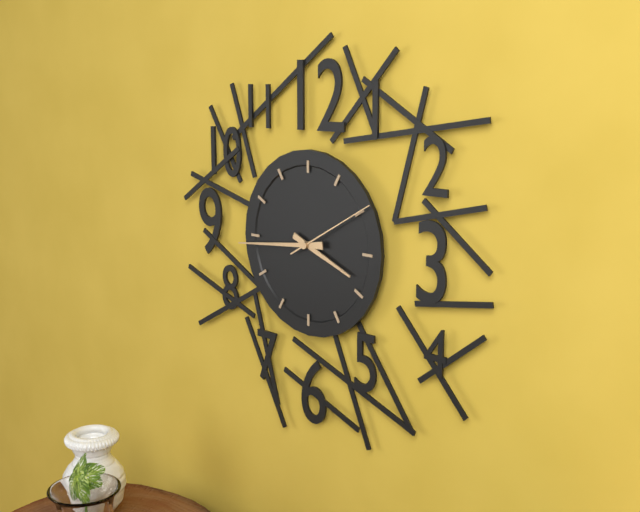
**3:44:10**
